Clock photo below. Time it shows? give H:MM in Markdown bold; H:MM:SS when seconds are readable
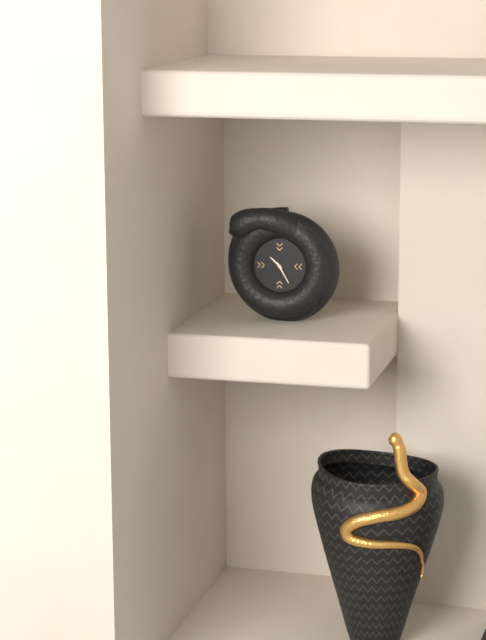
**10:25**
